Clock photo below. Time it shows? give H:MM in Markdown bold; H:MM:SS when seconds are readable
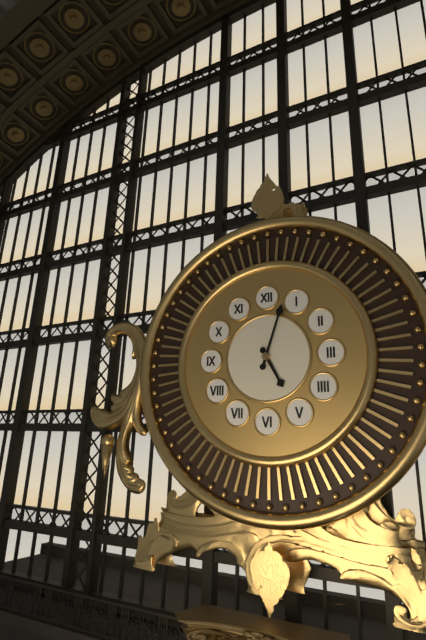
**5:03**
